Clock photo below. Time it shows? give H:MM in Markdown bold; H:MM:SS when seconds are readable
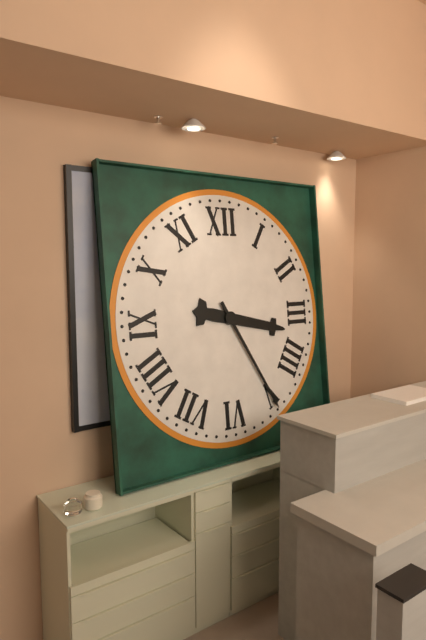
**3:25**
